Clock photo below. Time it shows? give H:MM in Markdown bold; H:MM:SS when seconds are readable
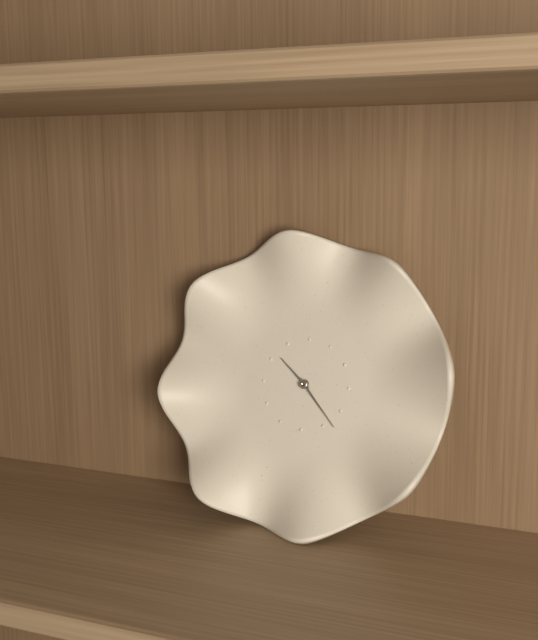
**10:23**
